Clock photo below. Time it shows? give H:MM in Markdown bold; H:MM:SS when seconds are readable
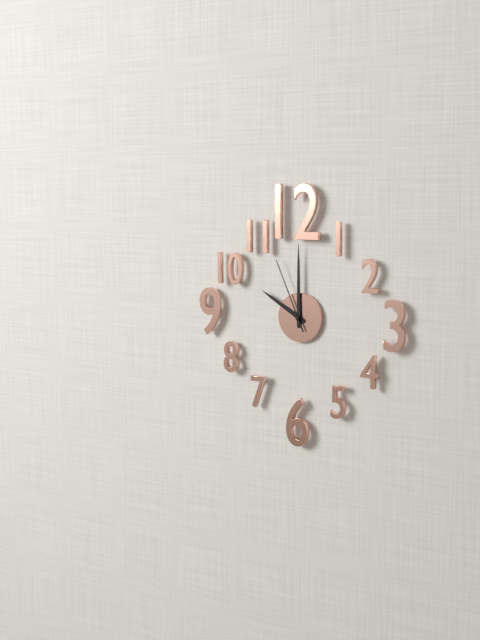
**10:00:56**
